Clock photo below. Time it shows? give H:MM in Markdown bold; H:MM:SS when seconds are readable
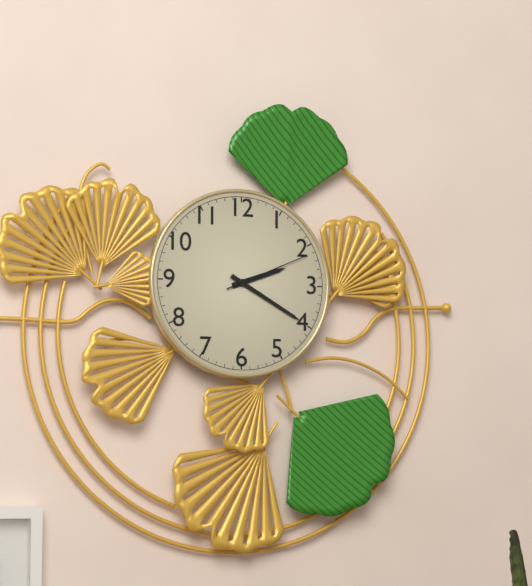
**2:20:11**
